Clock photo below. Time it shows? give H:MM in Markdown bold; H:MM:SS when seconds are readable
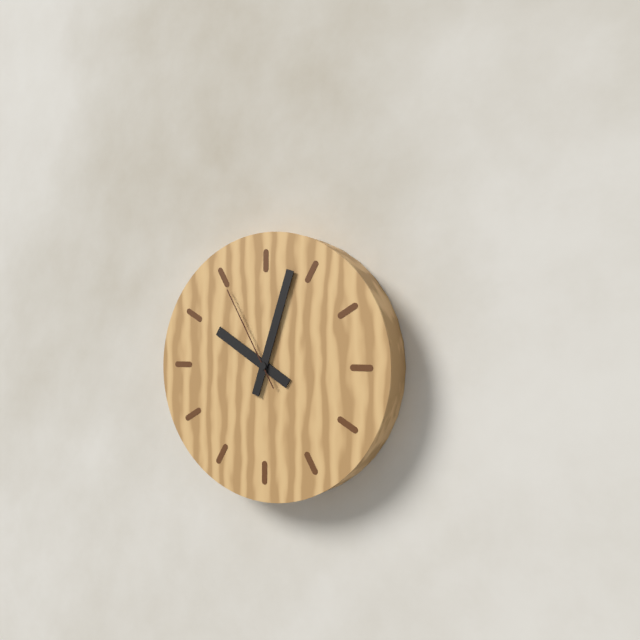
**10:03:55**
